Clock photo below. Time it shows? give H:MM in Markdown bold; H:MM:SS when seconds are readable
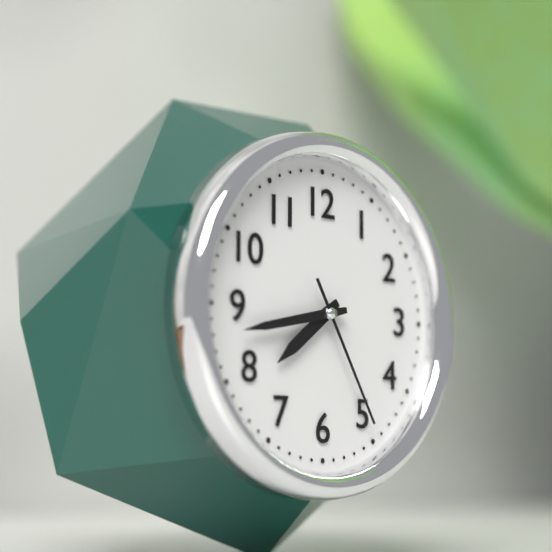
**7:43:25**
